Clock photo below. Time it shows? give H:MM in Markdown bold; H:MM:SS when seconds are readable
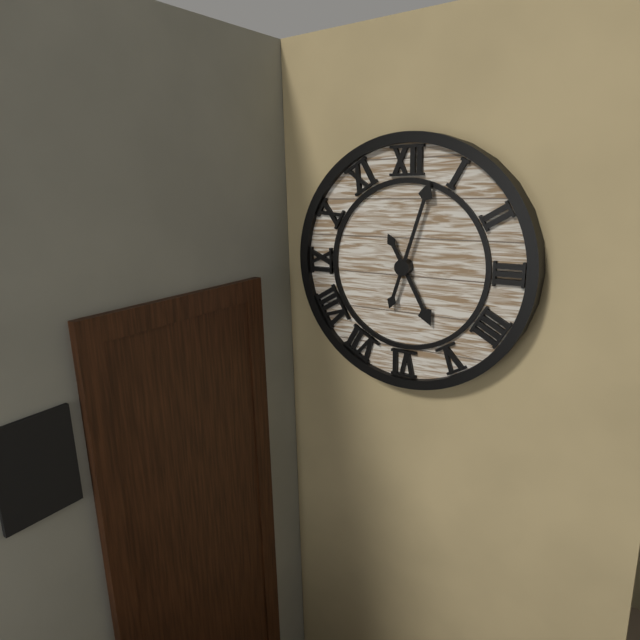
**5:03**
